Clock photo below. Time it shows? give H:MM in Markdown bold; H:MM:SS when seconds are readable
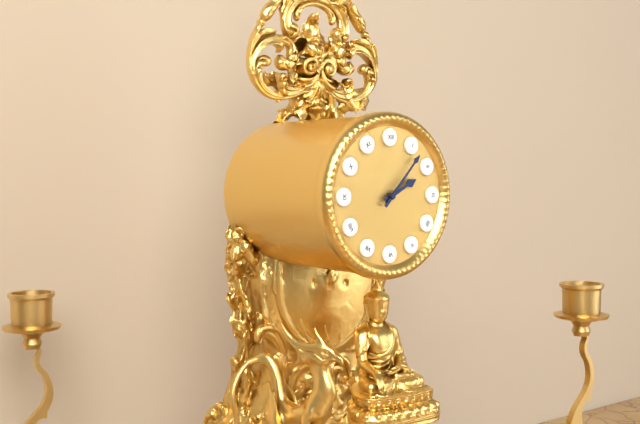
**2:07**
